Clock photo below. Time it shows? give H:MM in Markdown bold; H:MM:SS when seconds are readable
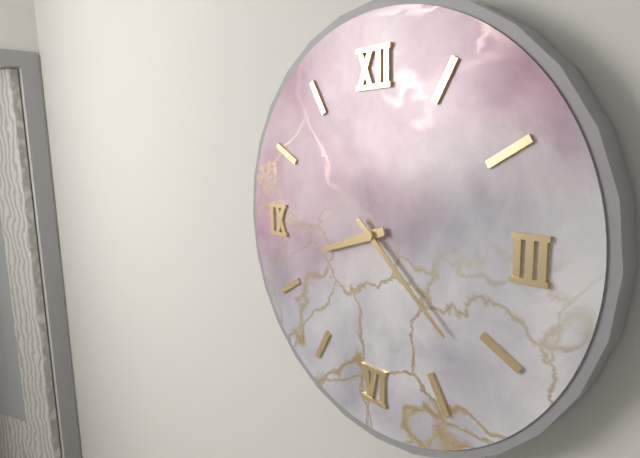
**8:22**
